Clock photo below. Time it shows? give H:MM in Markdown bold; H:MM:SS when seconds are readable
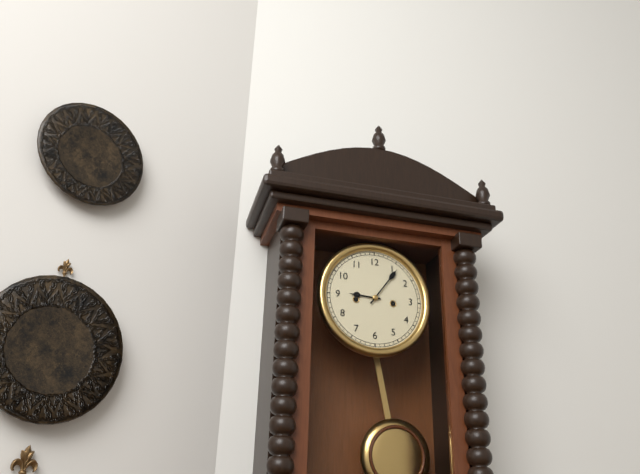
**9:06**
